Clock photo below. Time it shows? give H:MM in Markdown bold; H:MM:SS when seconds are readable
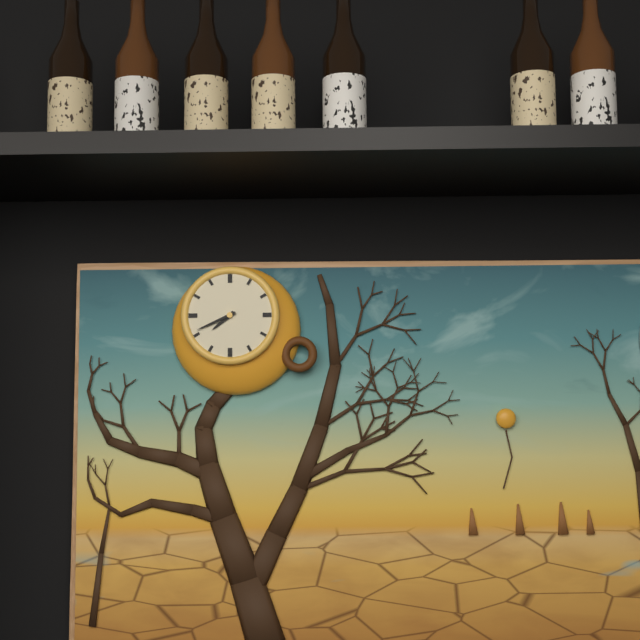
**7:41**
